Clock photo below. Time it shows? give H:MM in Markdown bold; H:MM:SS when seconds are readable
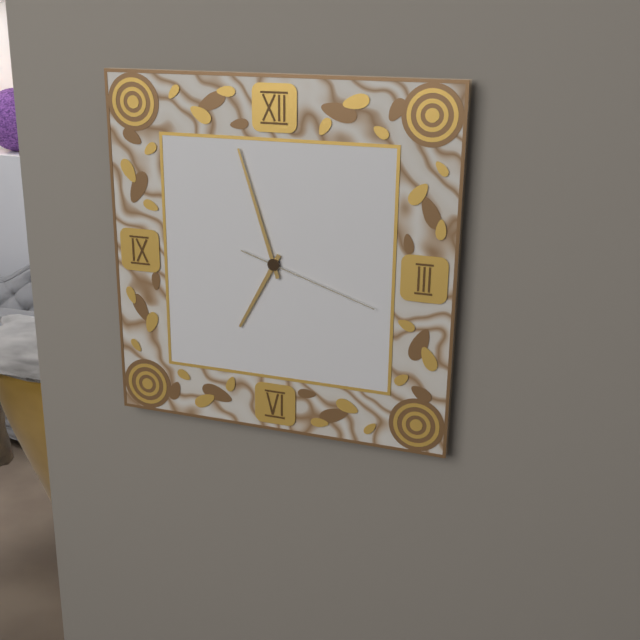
**6:57:18**
